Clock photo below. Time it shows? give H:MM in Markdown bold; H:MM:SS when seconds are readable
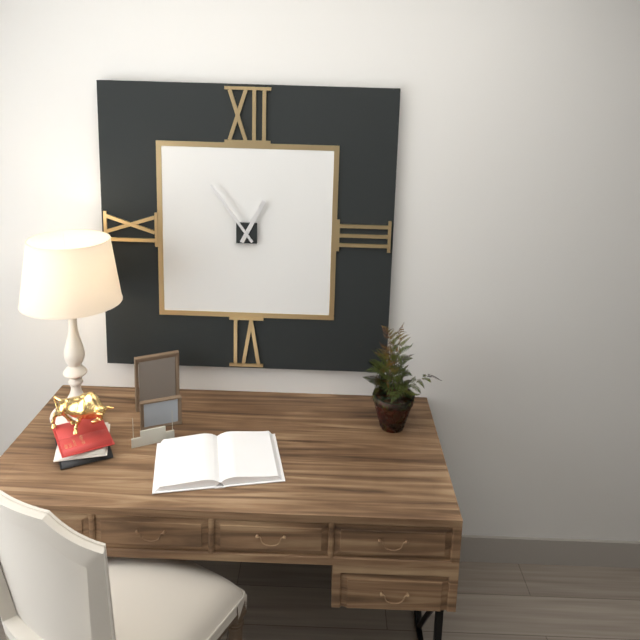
**12:54**
